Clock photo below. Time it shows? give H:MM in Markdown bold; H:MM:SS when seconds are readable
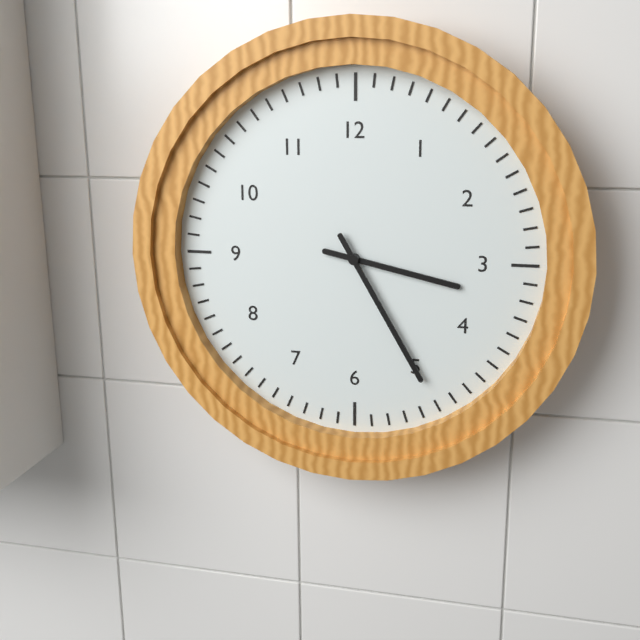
**3:25**
